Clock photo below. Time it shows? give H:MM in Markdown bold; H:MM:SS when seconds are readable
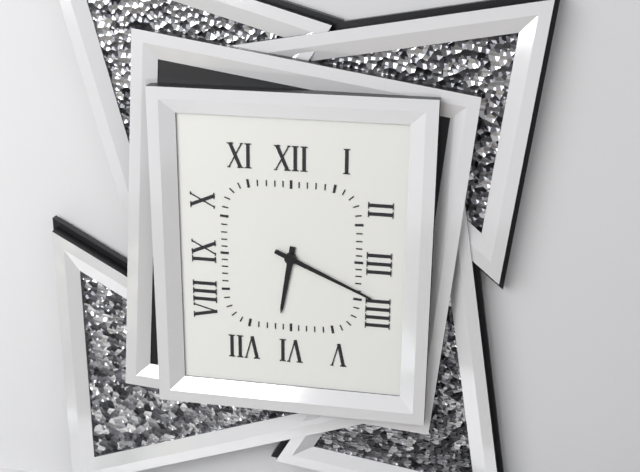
**6:19**
